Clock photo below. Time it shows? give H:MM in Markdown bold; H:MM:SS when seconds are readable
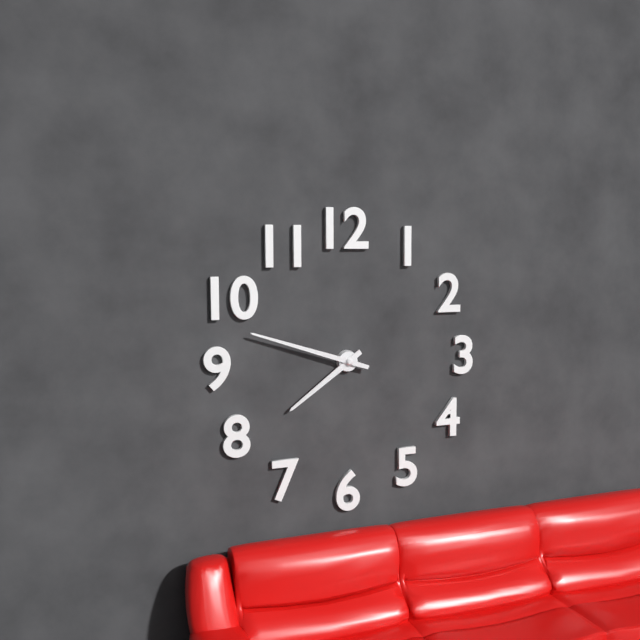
**7:48**
